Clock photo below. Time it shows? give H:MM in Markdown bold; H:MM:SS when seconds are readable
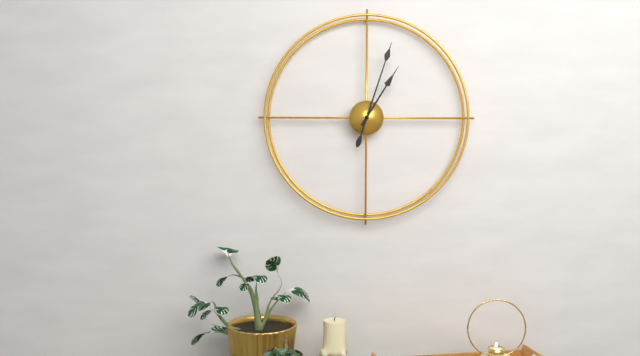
**1:03**
